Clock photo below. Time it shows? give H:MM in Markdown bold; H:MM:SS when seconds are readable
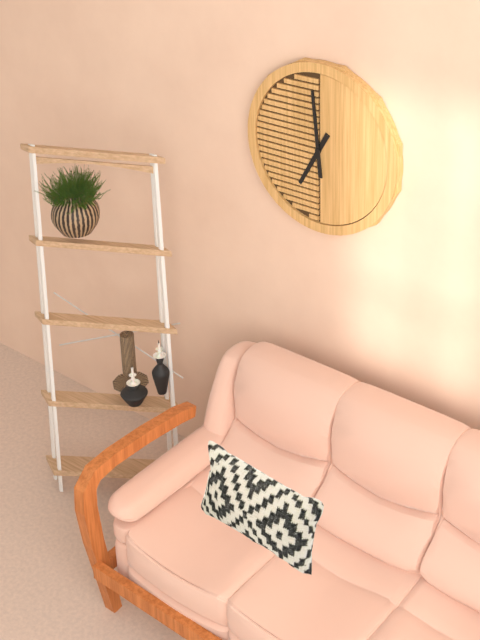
**6:59**
